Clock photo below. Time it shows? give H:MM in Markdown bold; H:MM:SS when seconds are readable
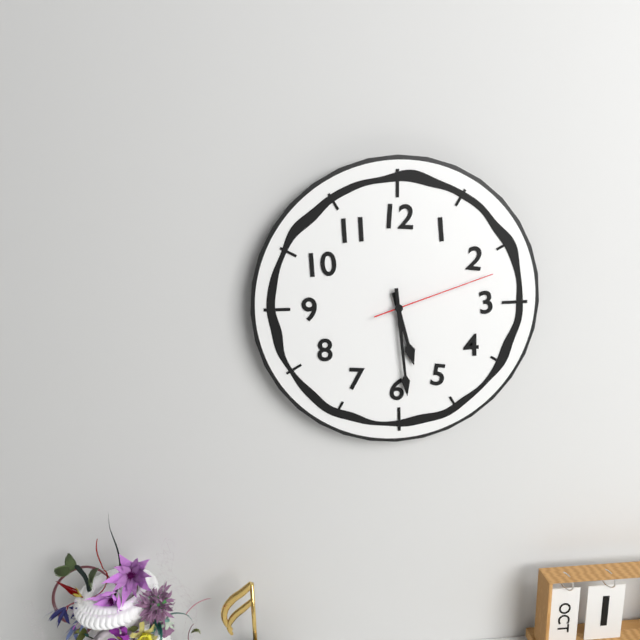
**5:29:12**
